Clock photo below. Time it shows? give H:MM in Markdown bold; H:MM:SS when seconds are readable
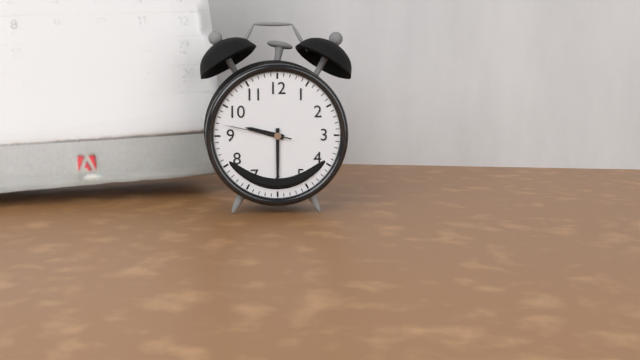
**9:30:47**
